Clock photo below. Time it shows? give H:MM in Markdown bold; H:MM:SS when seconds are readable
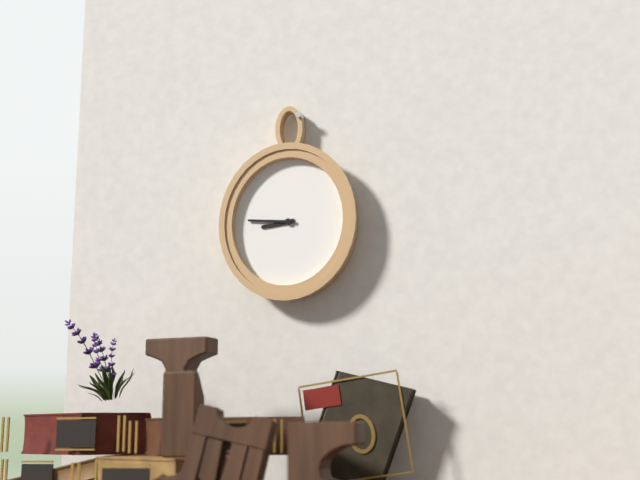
**8:46**
